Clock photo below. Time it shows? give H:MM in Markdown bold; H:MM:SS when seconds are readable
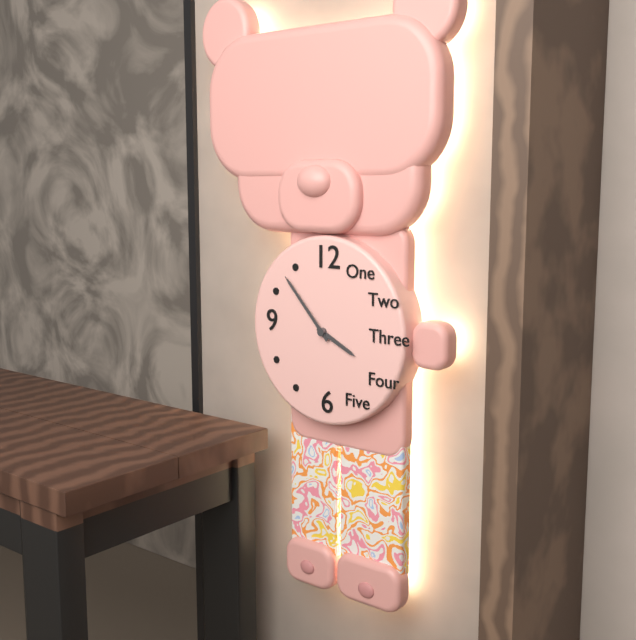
**3:53**
